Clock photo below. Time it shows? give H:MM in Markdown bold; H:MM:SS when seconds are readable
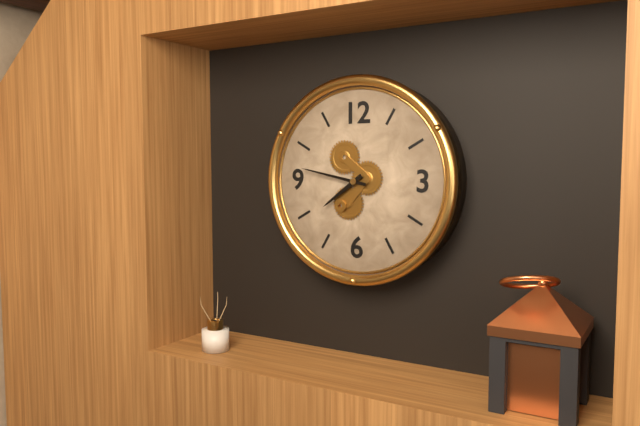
**7:47**
